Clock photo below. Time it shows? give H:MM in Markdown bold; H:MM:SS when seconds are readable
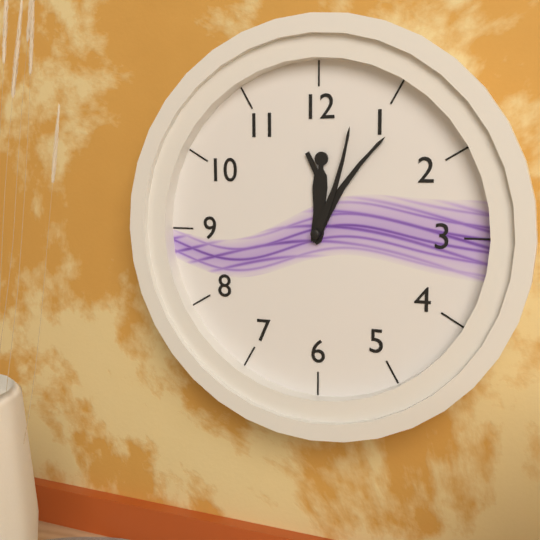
**12:06:03**
